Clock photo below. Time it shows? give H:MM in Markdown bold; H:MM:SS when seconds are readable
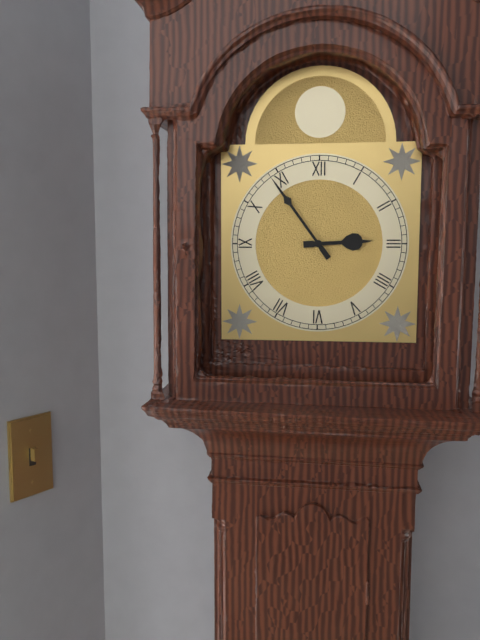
**2:54**
